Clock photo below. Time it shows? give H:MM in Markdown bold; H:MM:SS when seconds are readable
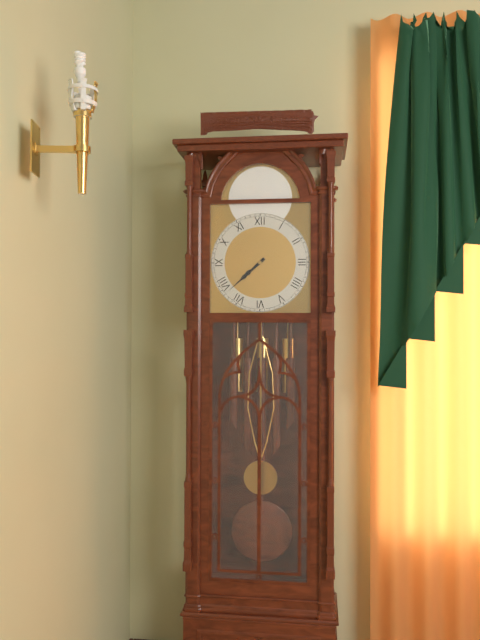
**7:38**
